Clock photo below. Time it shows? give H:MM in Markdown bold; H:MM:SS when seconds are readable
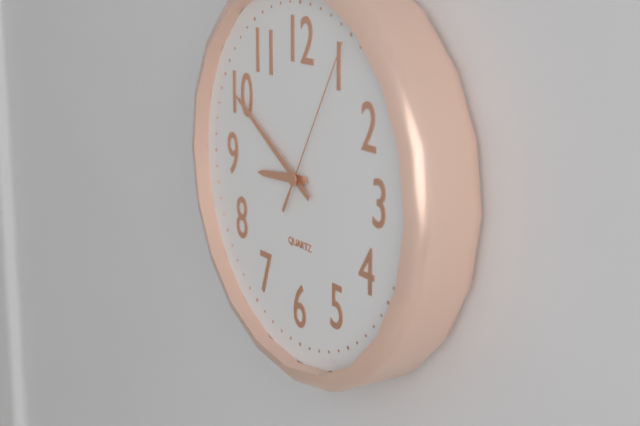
**8:50:05**
